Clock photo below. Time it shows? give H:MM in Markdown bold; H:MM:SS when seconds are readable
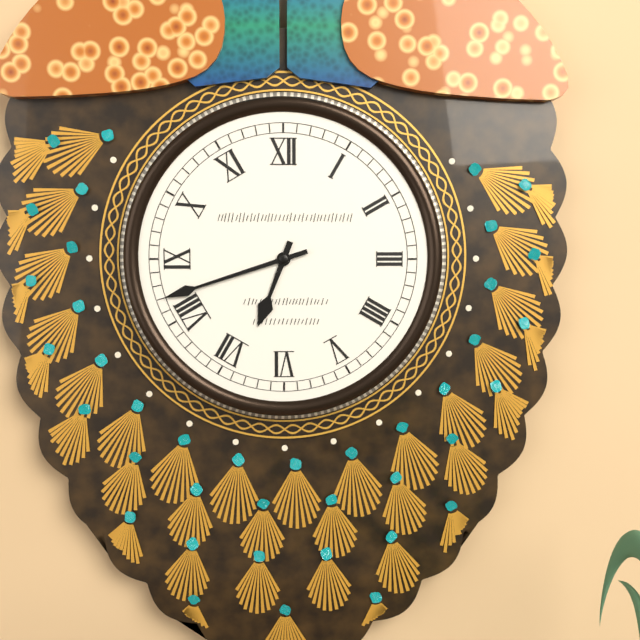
**6:42**
